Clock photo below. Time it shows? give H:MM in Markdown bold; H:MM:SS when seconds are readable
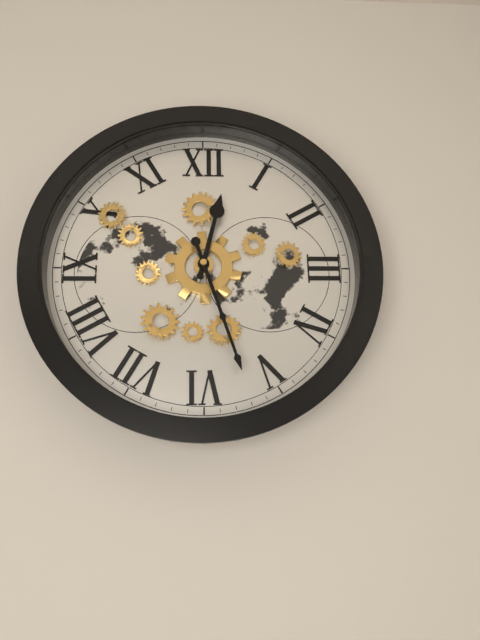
**12:27**
